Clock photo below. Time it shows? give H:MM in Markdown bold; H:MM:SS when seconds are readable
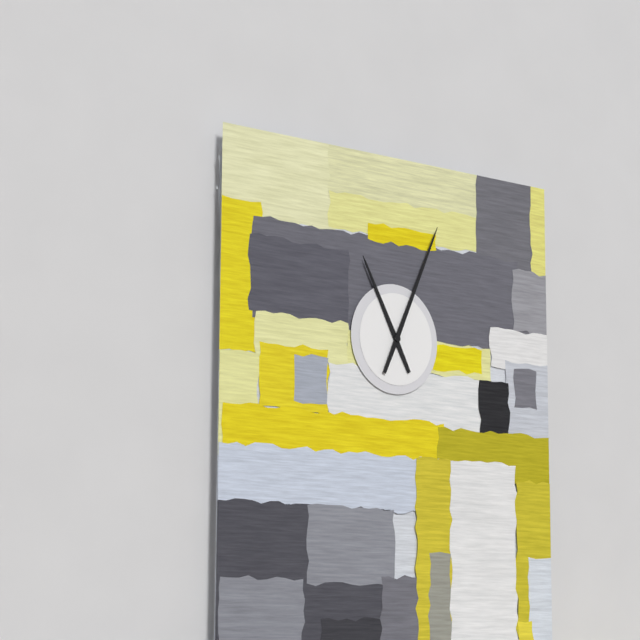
**11:04**
